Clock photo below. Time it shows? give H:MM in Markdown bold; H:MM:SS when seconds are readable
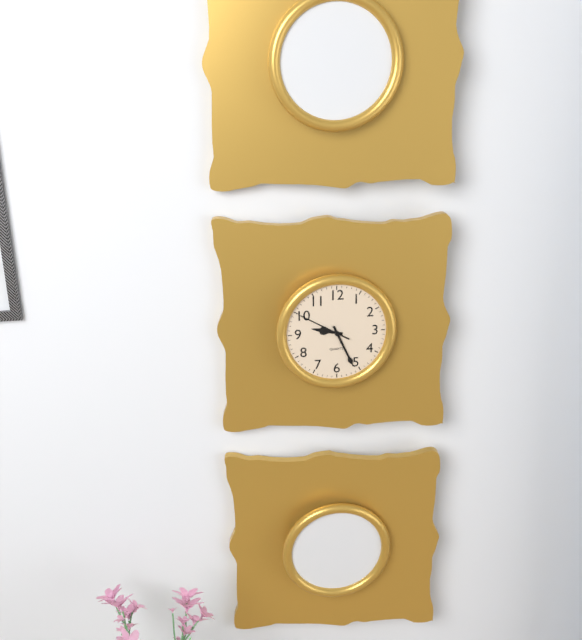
**9:26:50**
